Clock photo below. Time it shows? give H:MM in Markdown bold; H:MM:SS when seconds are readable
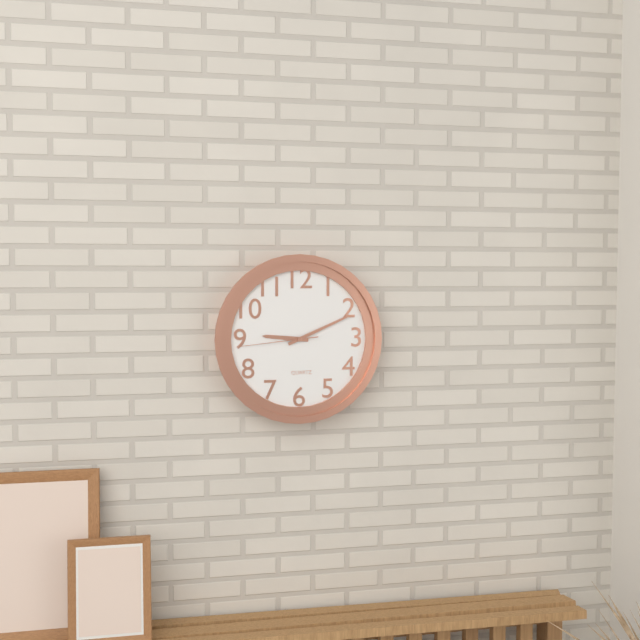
**9:11:44**
